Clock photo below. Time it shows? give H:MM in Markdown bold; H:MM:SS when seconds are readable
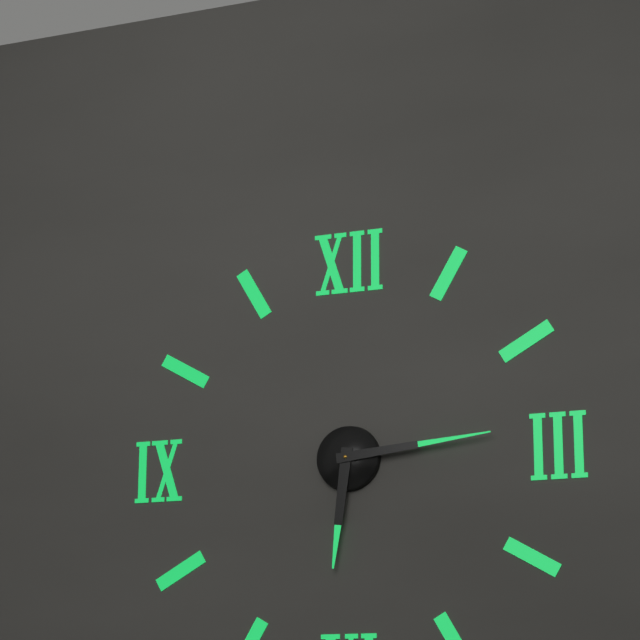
**6:14**
